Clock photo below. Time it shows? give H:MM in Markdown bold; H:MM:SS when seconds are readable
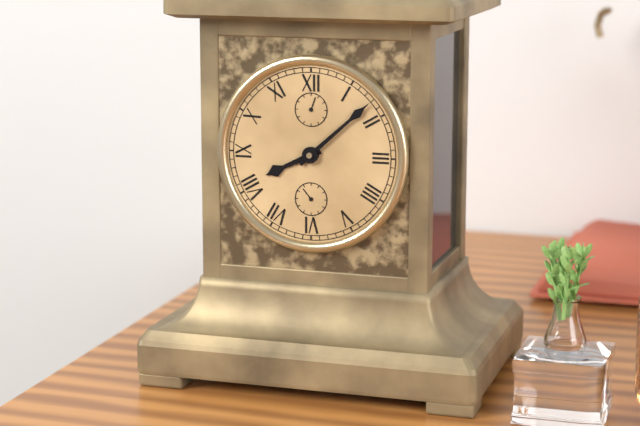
**8:08**
